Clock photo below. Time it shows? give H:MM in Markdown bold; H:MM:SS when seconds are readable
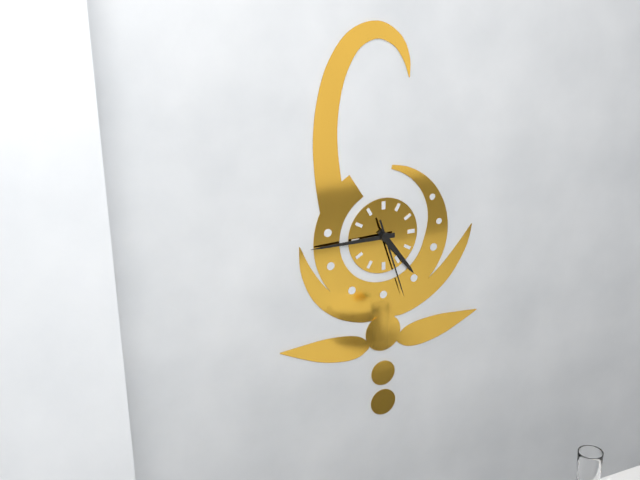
**4:45:27**
